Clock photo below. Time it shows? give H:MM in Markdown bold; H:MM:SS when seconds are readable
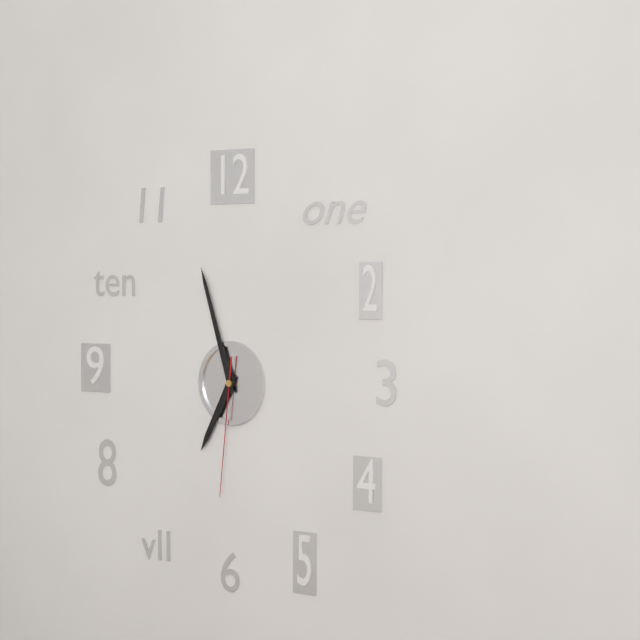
**6:57:31**
